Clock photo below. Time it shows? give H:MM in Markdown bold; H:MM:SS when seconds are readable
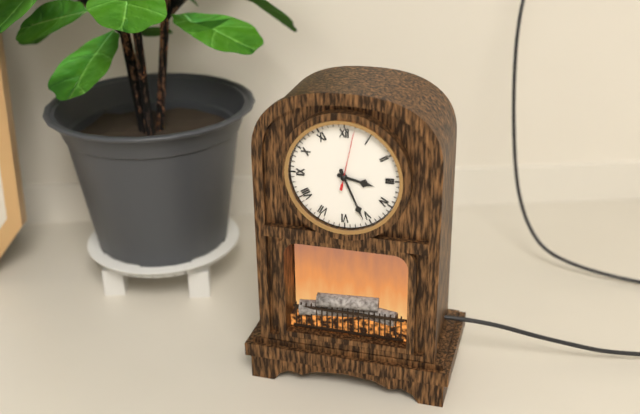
**3:26**
